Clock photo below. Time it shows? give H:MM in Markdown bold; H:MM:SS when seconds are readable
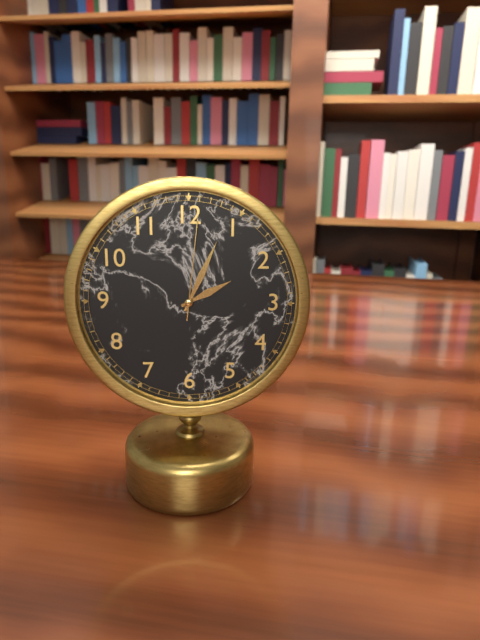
**2:04:01**
